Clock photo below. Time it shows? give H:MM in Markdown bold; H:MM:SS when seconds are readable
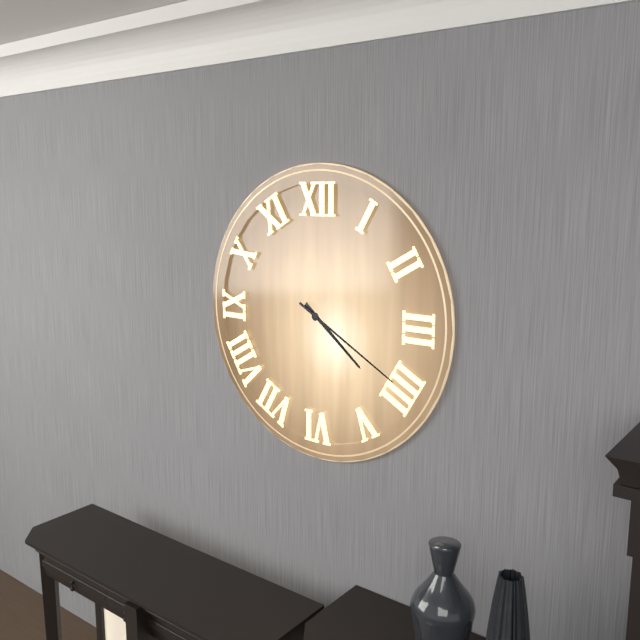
**4:20**
